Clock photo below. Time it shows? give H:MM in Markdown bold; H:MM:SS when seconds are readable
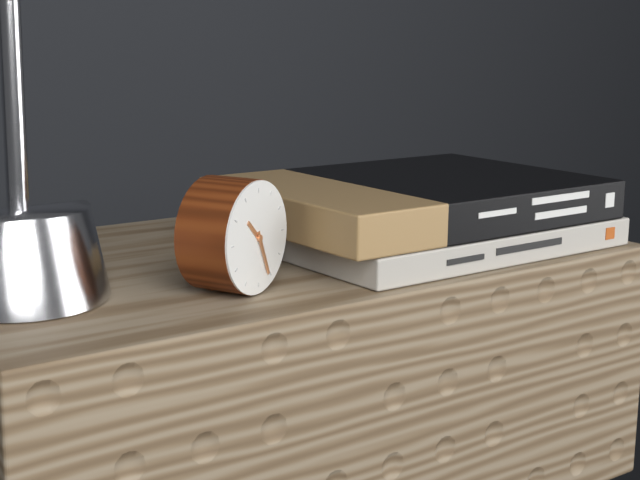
**10:26**
